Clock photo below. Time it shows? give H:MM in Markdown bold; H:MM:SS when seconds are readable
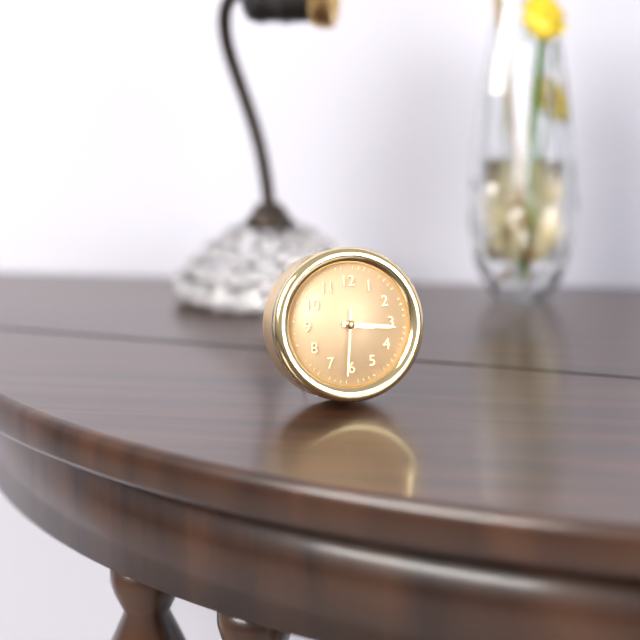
**3:16:31**
